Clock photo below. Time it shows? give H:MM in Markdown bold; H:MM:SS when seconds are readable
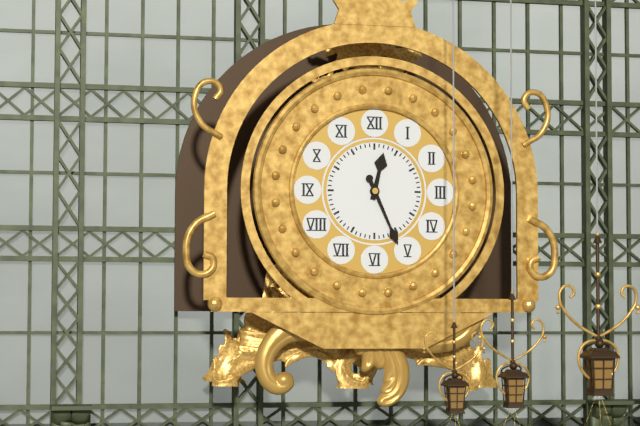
**12:26**
